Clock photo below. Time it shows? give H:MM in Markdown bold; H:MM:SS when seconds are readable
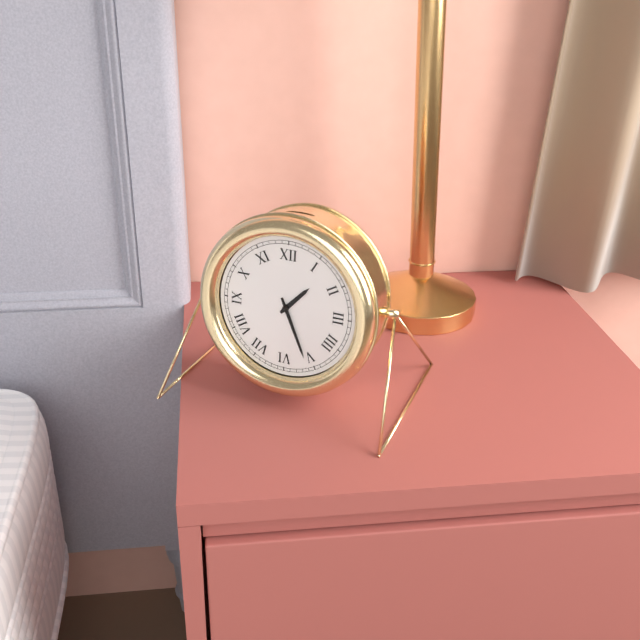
**1:26**
